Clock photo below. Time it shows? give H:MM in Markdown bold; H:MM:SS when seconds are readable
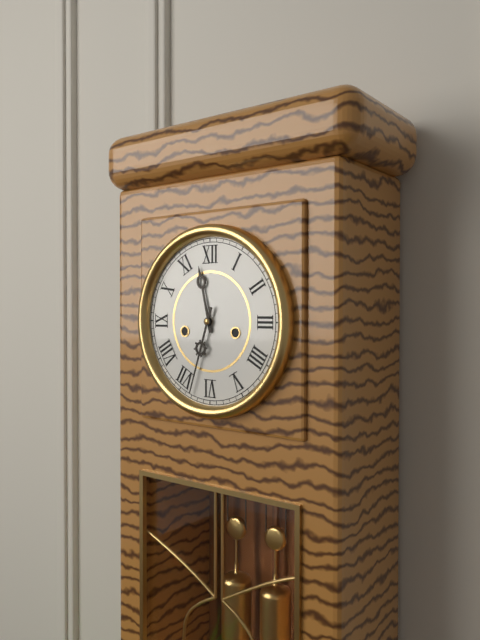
**11:33**
